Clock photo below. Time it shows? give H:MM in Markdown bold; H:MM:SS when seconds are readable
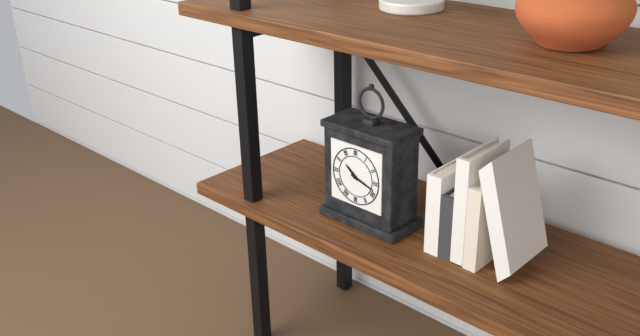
**10:18**
